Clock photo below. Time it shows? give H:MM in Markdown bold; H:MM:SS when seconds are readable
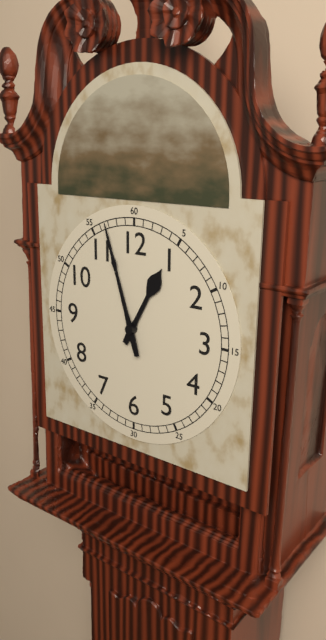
**12:57**
